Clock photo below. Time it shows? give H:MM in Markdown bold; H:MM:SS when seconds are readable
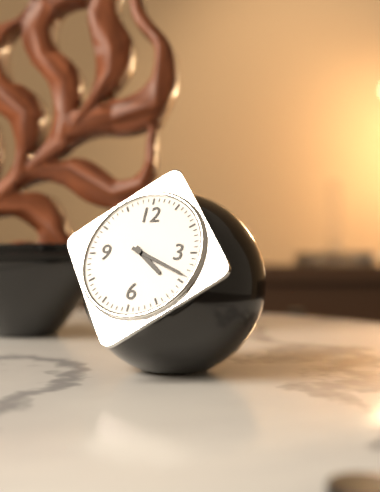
**4:19**
